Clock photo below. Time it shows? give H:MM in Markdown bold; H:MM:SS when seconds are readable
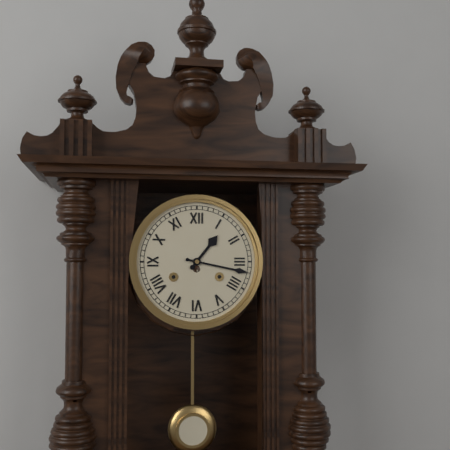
**1:17**
